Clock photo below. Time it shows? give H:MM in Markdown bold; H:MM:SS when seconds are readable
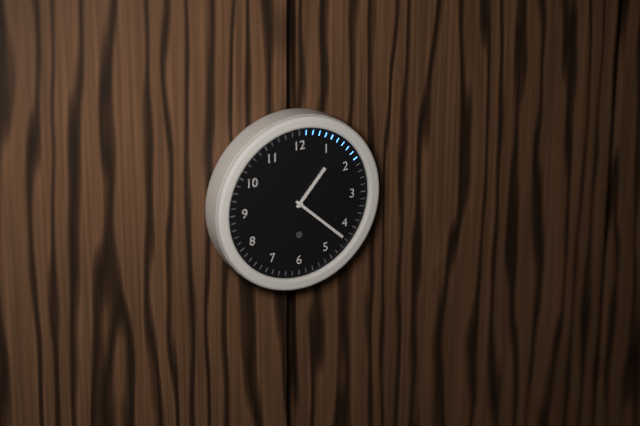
**1:22**
